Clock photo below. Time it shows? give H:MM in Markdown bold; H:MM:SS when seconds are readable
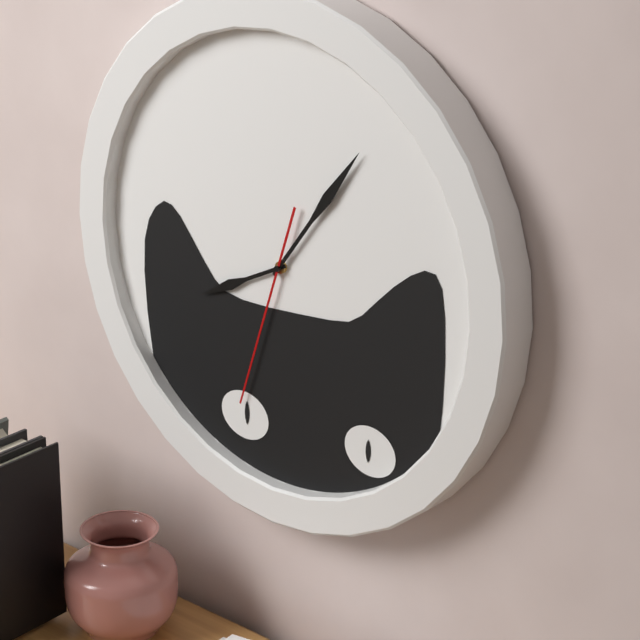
**8:06:33**
